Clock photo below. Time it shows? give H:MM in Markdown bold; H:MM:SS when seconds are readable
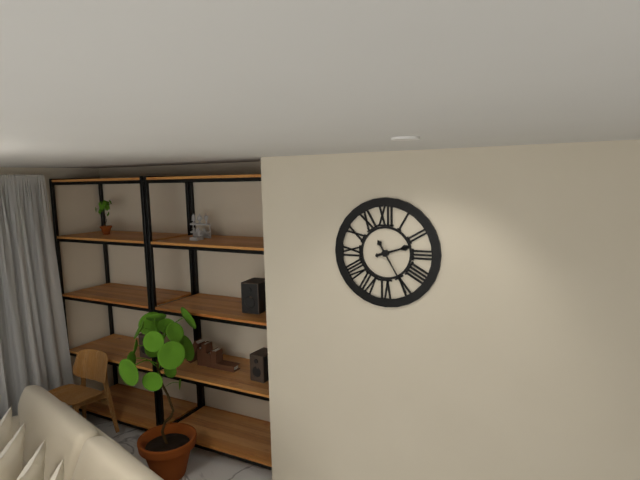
**2:25**
